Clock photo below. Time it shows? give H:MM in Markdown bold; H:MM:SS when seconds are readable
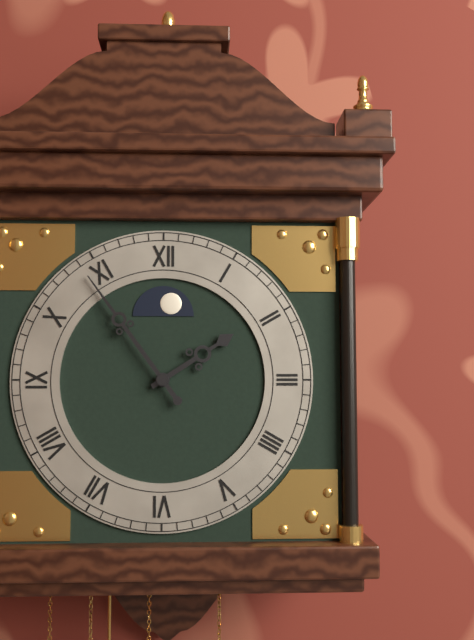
**1:54**
